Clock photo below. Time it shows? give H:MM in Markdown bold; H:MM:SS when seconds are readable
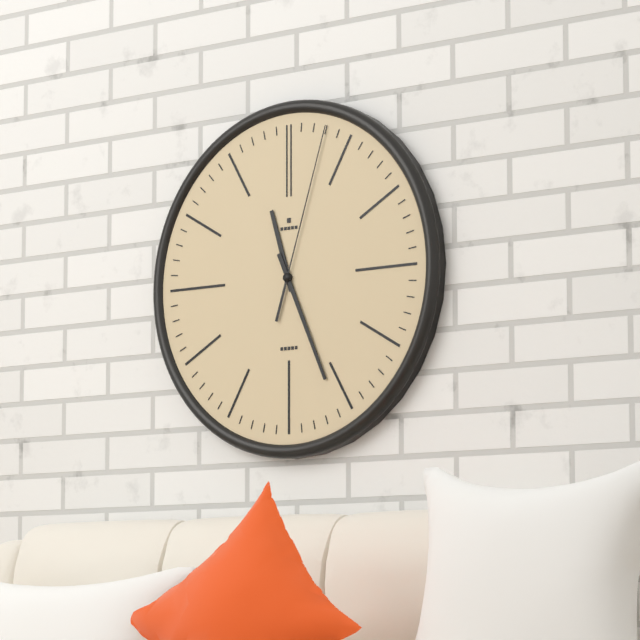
**11:26:03**
